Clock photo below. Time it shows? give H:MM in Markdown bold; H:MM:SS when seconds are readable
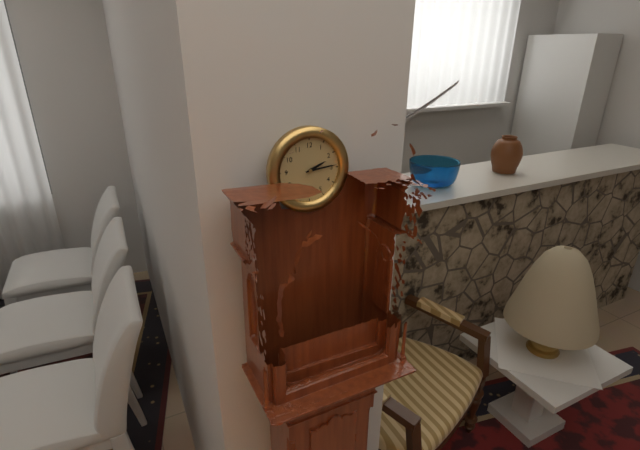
**2:14**
